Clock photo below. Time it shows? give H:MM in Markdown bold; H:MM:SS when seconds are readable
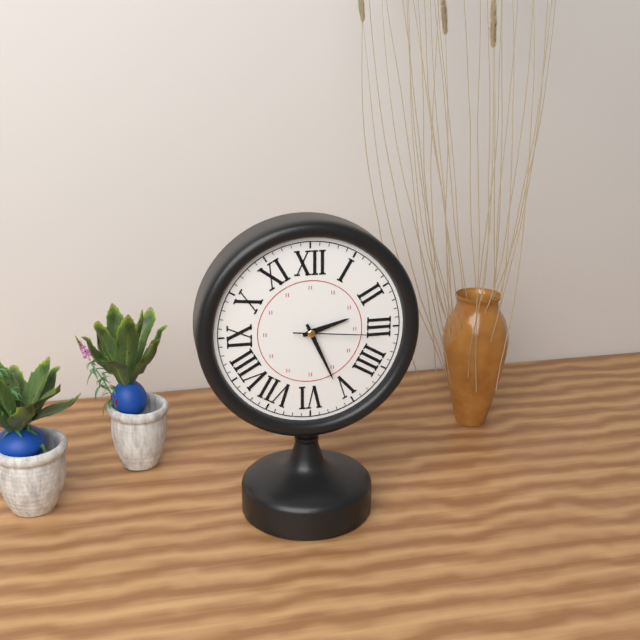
**2:26:16**
